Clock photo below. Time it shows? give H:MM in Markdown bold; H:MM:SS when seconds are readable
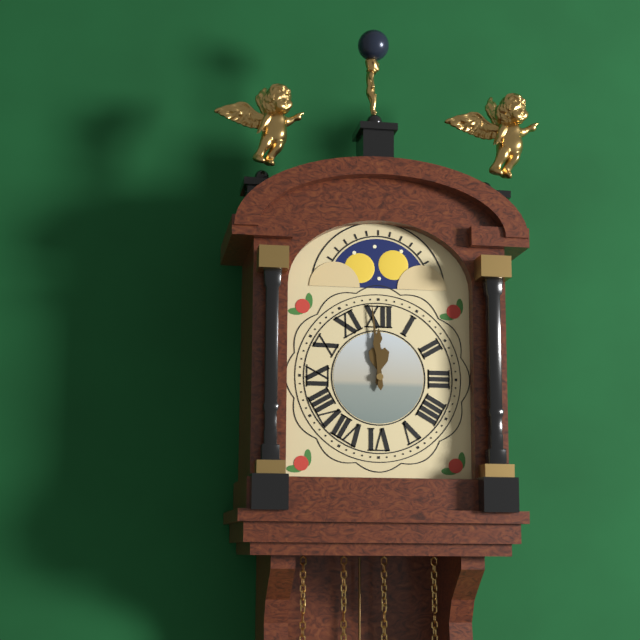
**11:59**
